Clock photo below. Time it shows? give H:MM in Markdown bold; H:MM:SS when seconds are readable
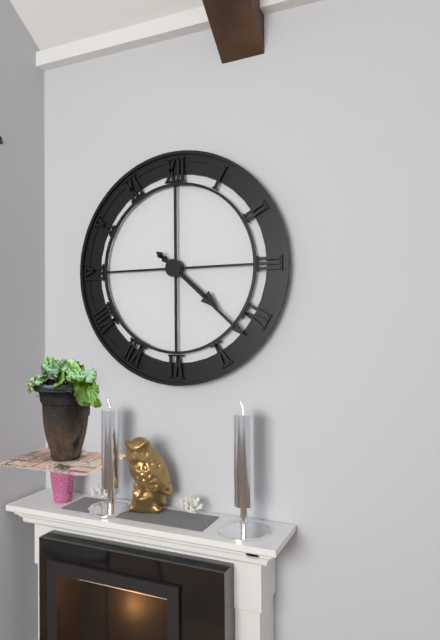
**4:22**
